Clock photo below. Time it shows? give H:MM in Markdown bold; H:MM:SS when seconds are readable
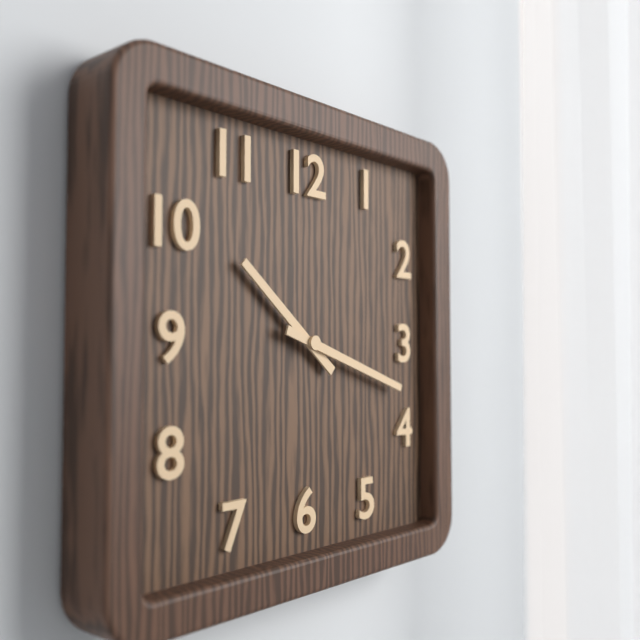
**10:18**
